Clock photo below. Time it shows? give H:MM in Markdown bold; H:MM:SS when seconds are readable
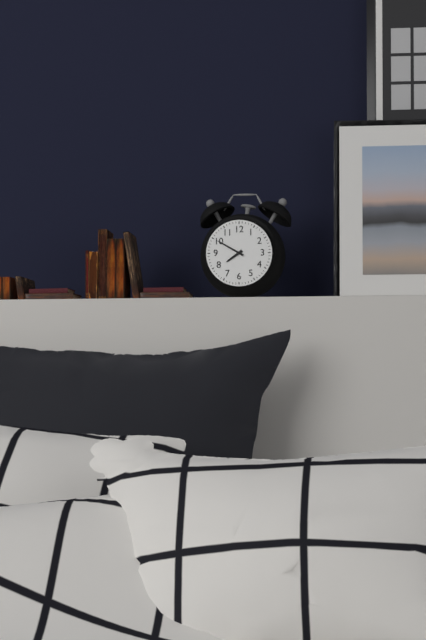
**7:50**
